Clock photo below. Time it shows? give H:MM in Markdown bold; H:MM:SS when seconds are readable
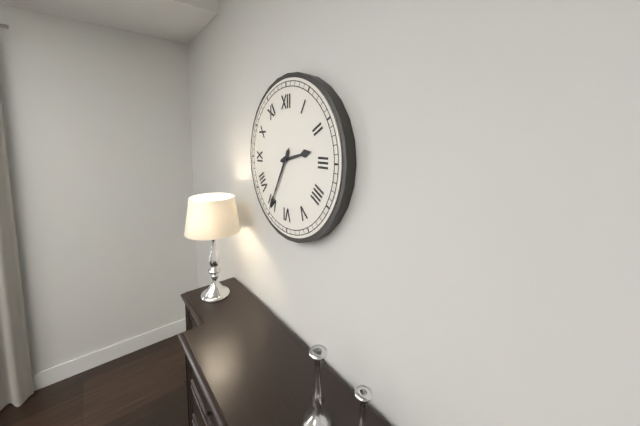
**2:35**
